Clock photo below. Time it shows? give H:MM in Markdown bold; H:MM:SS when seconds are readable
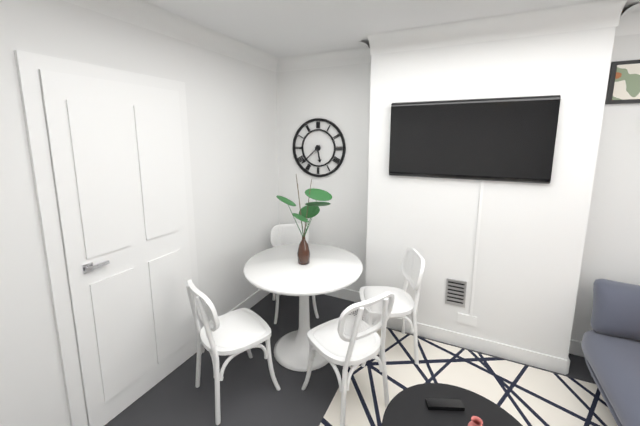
**5:38**
